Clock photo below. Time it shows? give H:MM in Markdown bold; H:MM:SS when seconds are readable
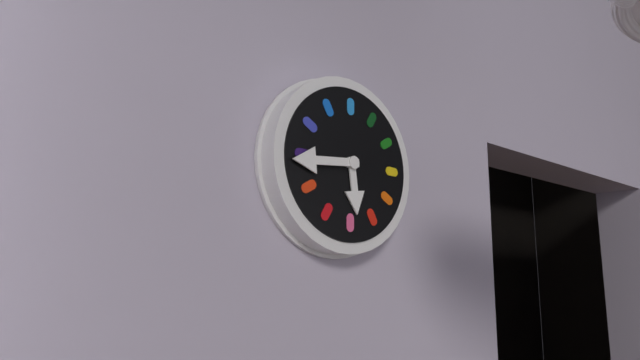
**5:44**
